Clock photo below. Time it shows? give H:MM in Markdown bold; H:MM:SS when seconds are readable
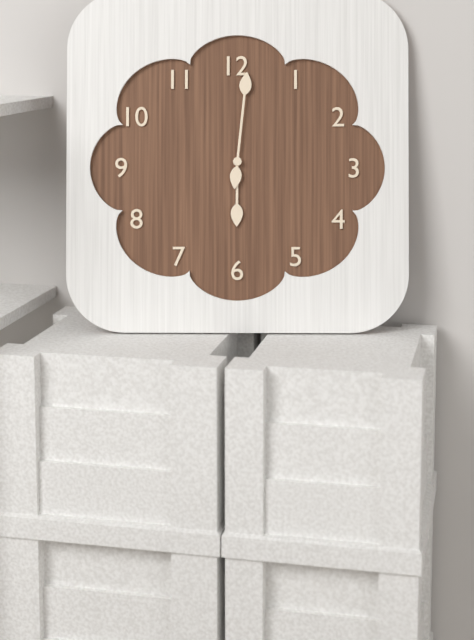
**6:01**
